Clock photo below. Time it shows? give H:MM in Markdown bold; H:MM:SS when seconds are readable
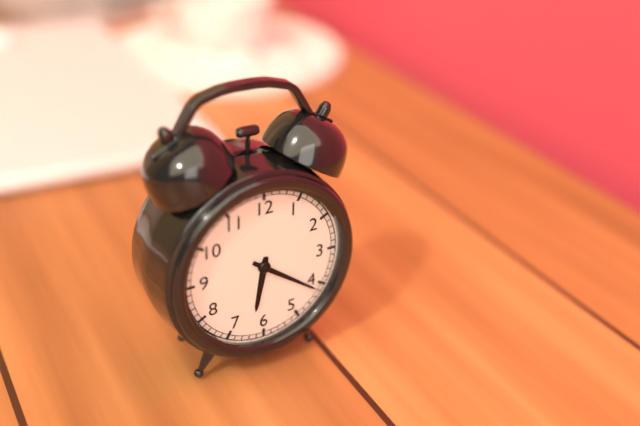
**6:21**
